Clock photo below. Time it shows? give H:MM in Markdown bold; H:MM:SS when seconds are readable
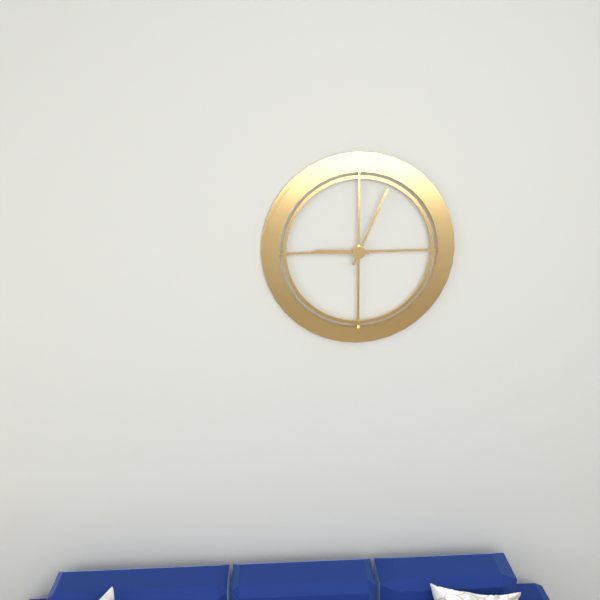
**9:04**
